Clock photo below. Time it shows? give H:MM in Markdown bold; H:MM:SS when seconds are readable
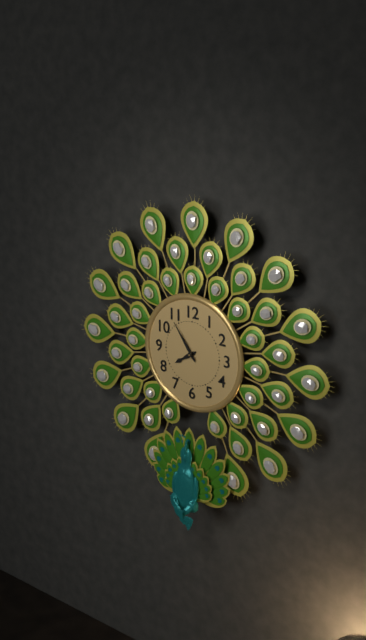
**7:54**
